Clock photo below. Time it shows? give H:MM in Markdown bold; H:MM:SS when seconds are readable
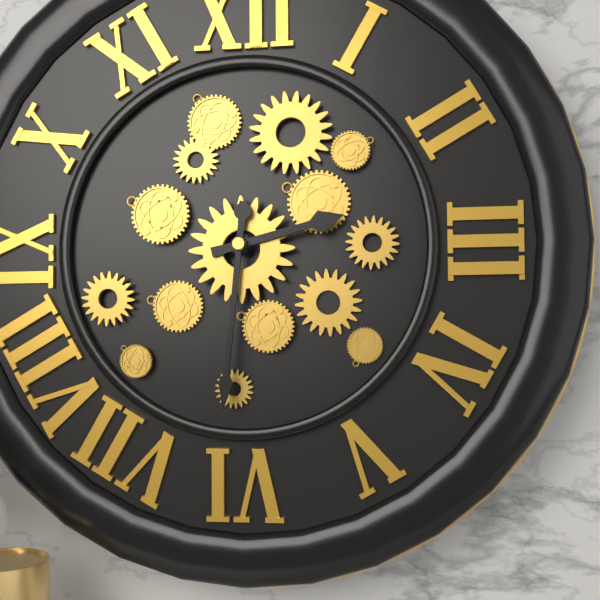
**2:31**
